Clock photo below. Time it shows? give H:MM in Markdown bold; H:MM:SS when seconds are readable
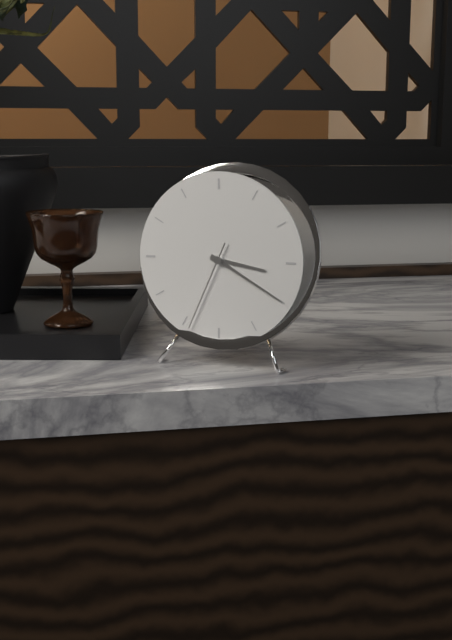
**3:20:34**
